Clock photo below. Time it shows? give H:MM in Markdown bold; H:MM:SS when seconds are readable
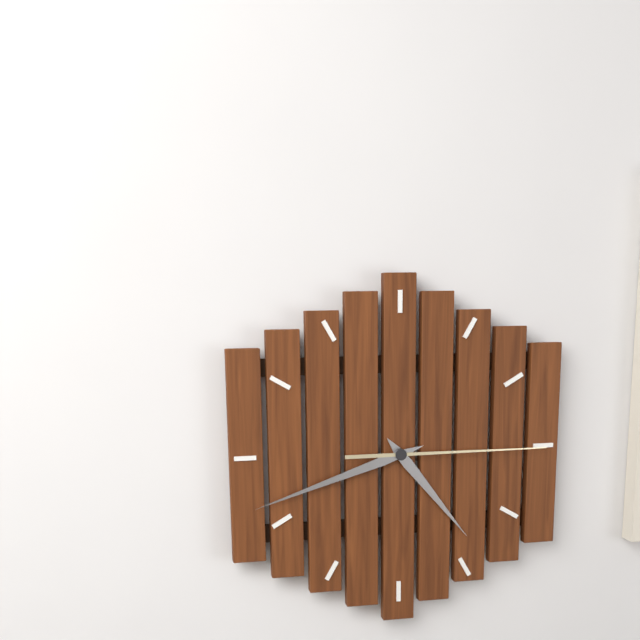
**4:42:15**
